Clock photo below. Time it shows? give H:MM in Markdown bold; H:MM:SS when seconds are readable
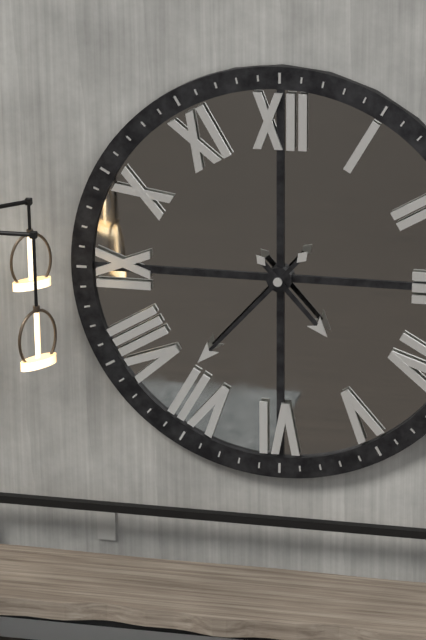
**4:37**
